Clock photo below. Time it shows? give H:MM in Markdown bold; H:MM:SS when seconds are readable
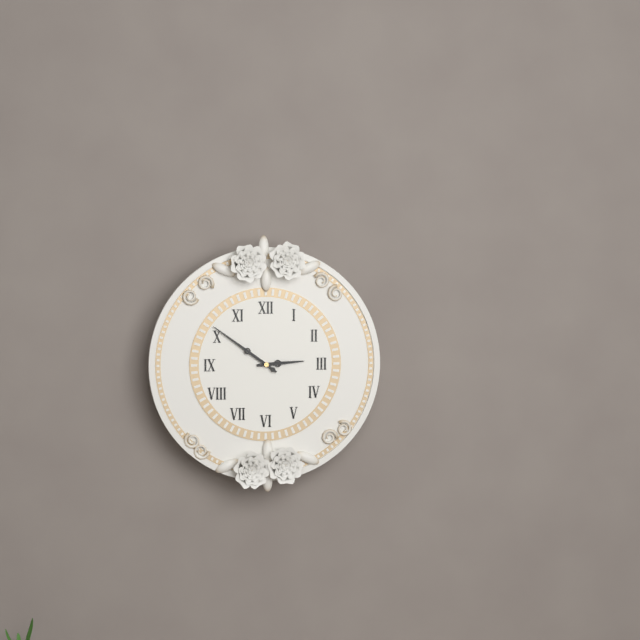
**2:51**
